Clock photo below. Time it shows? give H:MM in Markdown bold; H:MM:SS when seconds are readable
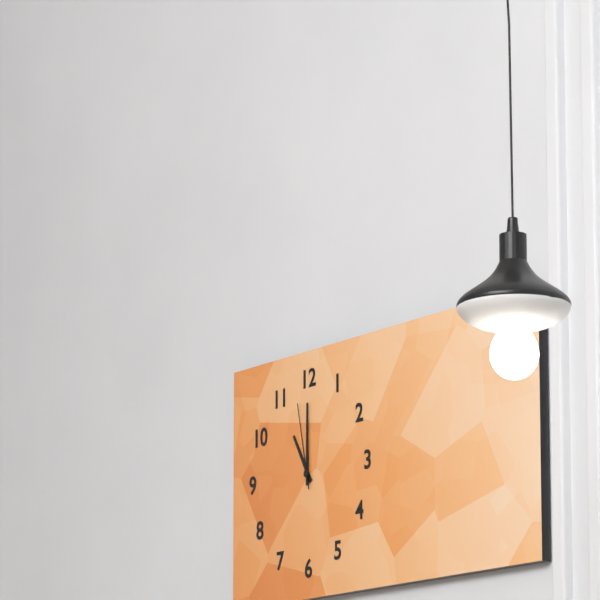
**11:00:58**
